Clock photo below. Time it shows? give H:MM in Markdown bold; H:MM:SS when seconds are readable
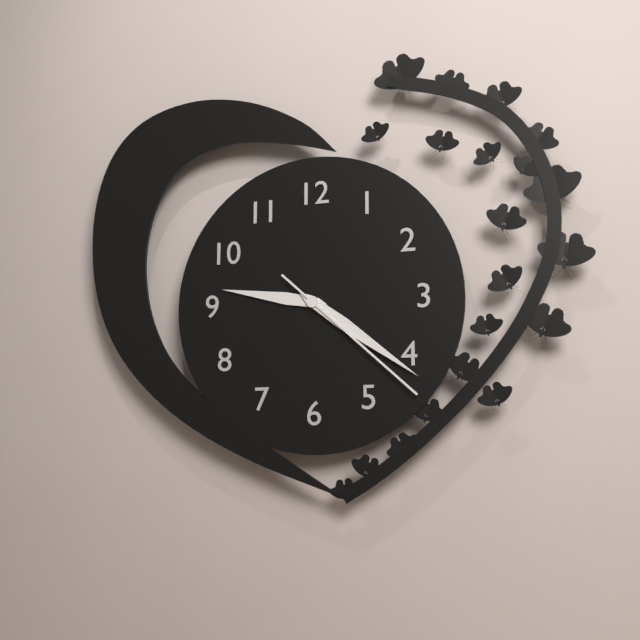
**9:21:22**
